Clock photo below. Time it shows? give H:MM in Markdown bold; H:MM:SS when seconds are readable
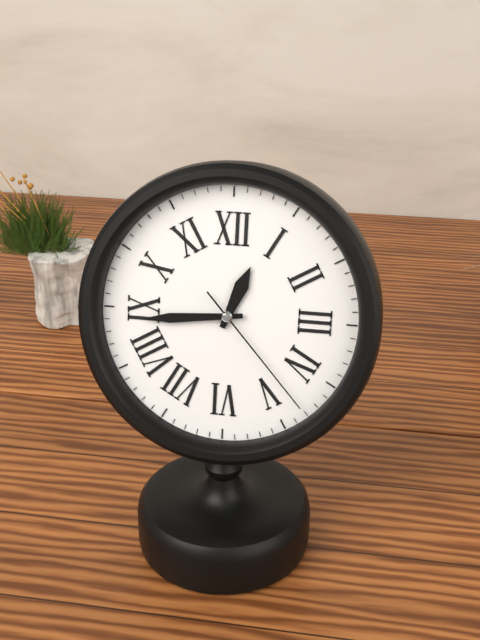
**12:44:23**
